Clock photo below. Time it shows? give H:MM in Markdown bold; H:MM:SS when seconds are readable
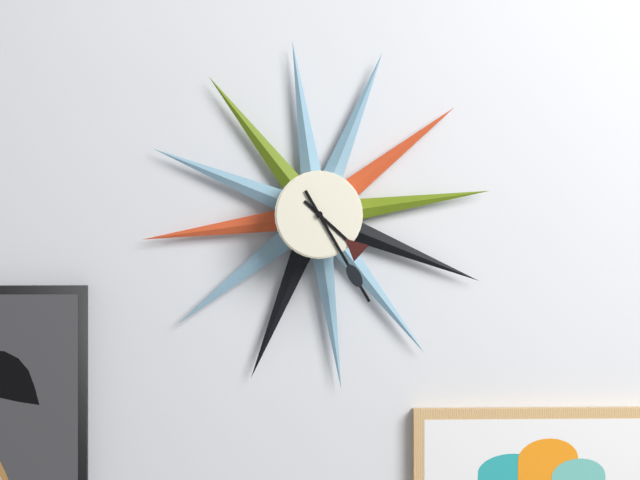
**4:25**
